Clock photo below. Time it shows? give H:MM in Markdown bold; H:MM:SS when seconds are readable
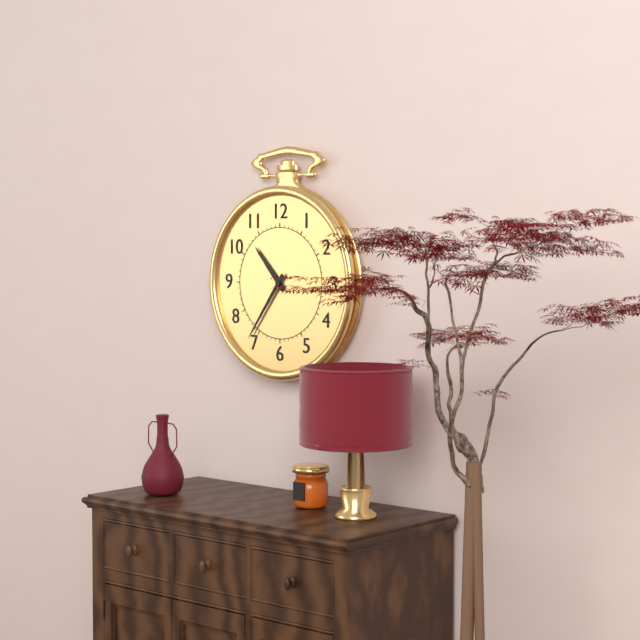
**10:36**
